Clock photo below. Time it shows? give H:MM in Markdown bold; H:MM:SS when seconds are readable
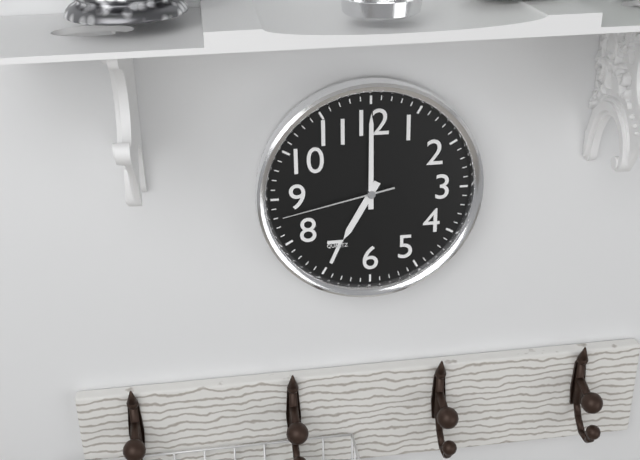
**7:00:43**
